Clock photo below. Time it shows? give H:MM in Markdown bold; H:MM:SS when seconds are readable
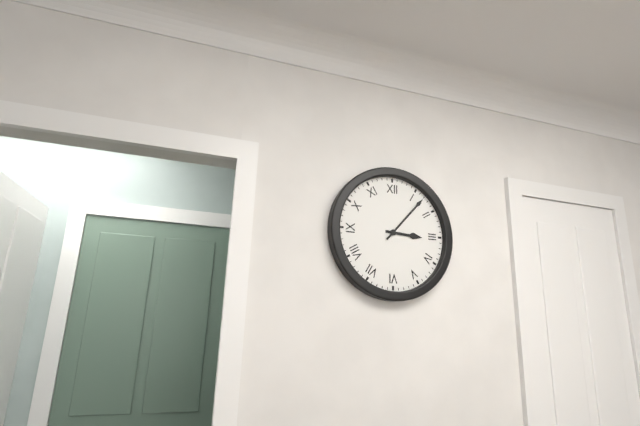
**3:07**
